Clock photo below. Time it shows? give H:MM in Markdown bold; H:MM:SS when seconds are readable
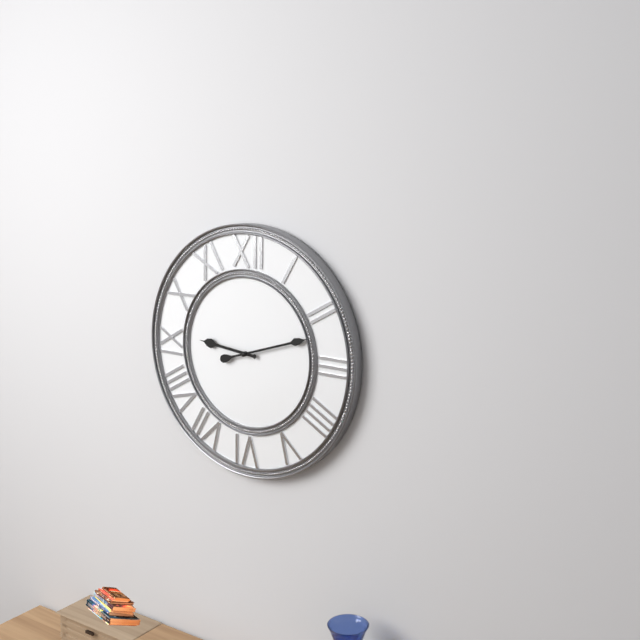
**9:12**
